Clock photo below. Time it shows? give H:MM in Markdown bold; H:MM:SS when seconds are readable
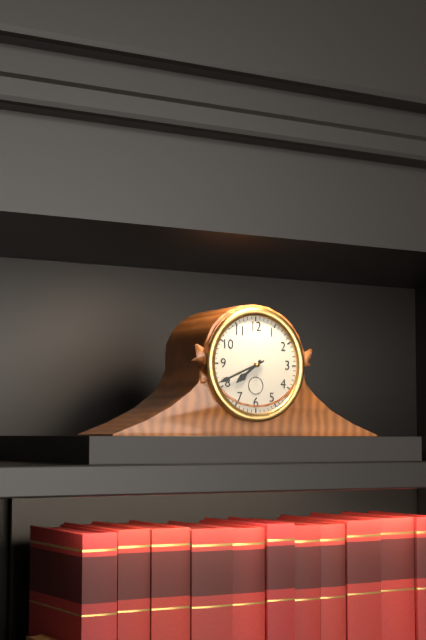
**7:41**
